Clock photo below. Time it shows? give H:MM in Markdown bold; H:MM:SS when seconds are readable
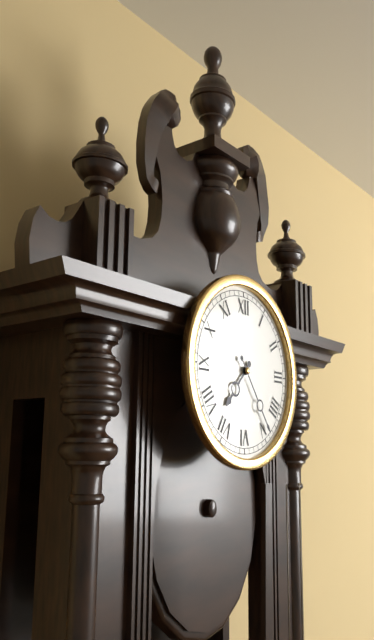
**7:24**
